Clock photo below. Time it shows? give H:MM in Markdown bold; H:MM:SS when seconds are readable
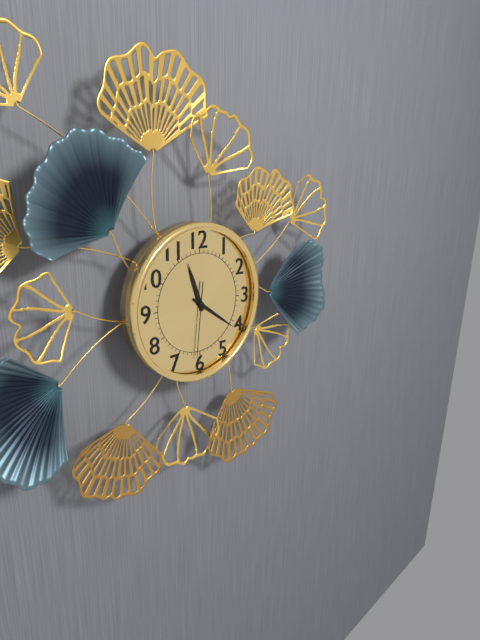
**11:21:31**
